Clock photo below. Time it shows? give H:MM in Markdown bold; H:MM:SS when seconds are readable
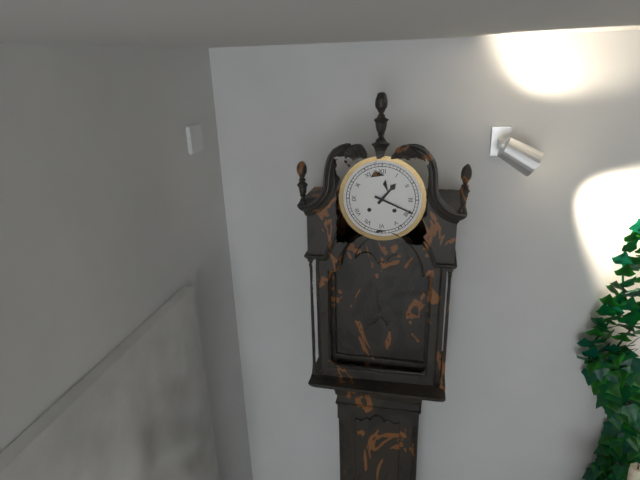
**1:19**
